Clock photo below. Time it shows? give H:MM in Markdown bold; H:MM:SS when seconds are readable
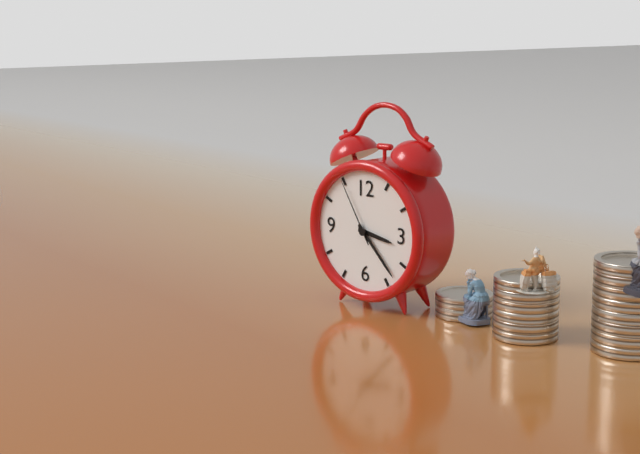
**3:23:55**
